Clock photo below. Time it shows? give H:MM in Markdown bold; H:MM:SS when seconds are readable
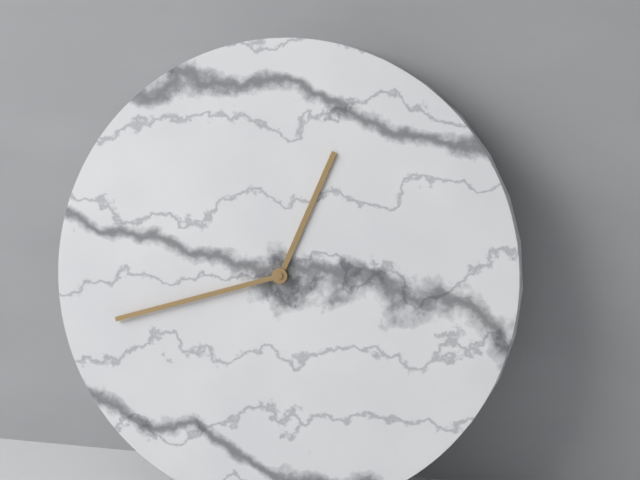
**12:42**
